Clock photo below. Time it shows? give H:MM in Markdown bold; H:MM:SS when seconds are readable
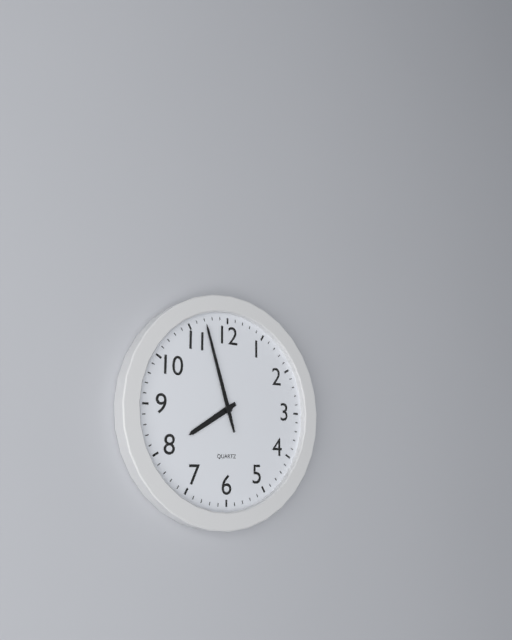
**7:57**
